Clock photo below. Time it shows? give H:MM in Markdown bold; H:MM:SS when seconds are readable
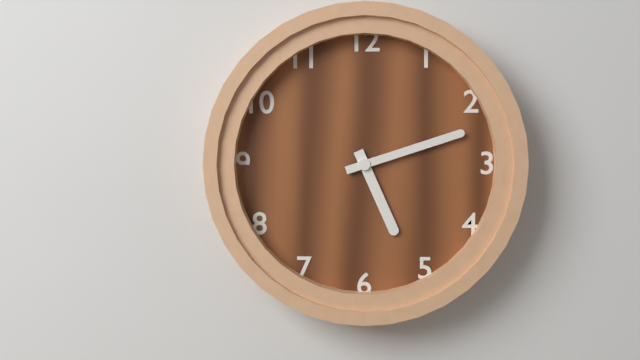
**5:12**
